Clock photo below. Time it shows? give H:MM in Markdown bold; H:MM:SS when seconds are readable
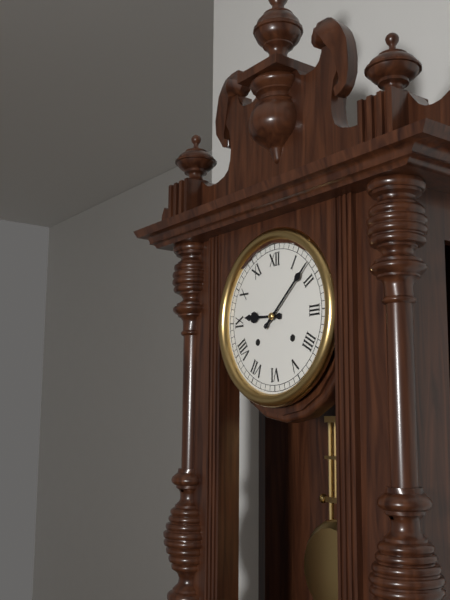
**9:08**
